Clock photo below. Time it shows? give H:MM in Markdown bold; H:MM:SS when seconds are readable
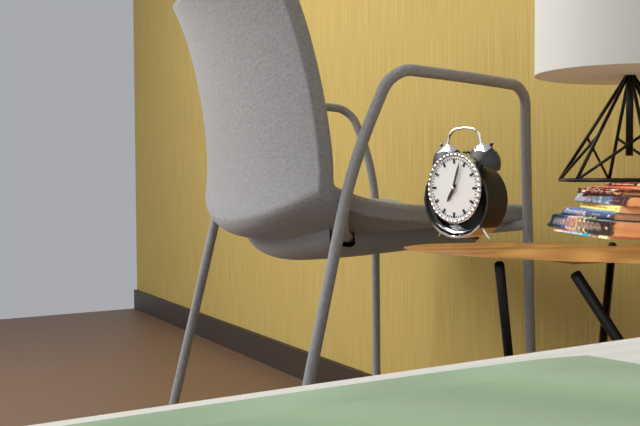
**7:03**
